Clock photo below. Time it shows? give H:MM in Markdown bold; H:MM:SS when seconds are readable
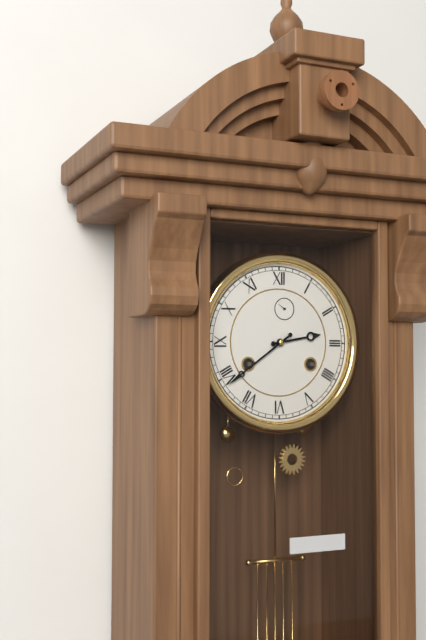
**2:39**
